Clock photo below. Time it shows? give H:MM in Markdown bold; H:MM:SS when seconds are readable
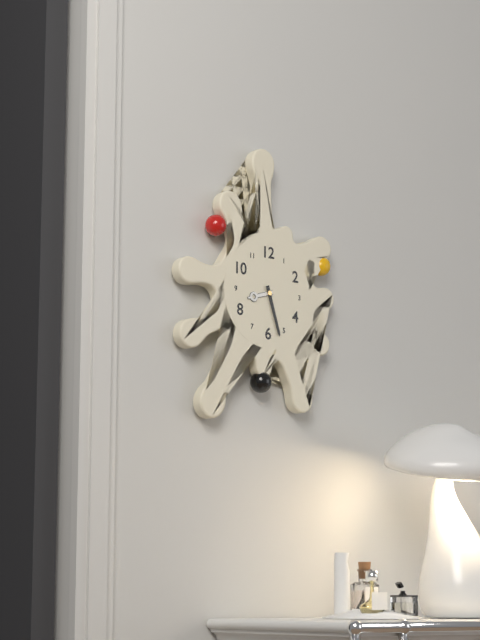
**8:27**
